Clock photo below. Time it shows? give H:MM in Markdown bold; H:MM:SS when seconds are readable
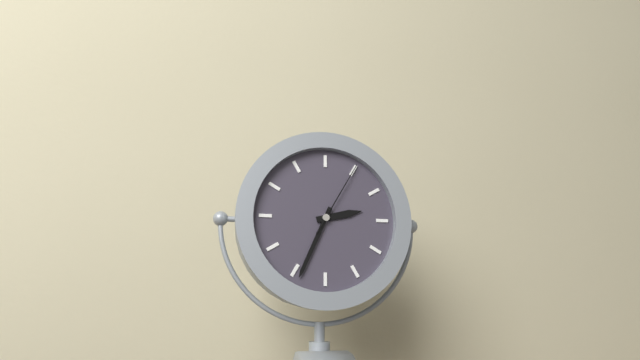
**2:34:05**
